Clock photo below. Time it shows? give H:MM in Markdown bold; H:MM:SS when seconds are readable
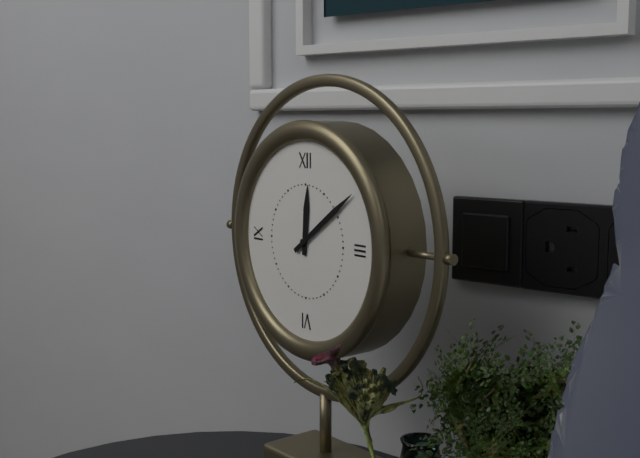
**12:09**
